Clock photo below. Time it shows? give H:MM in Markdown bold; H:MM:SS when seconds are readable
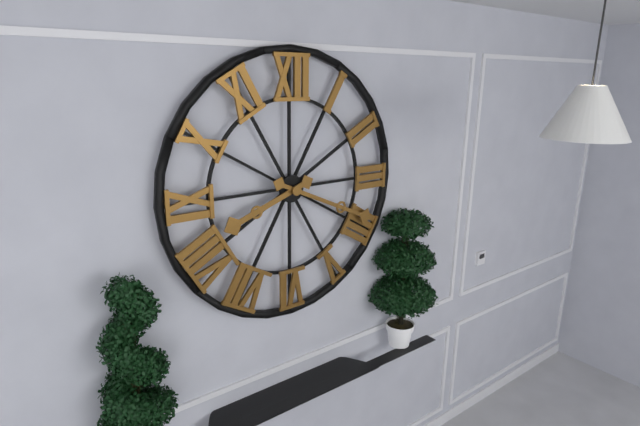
**8:19**
